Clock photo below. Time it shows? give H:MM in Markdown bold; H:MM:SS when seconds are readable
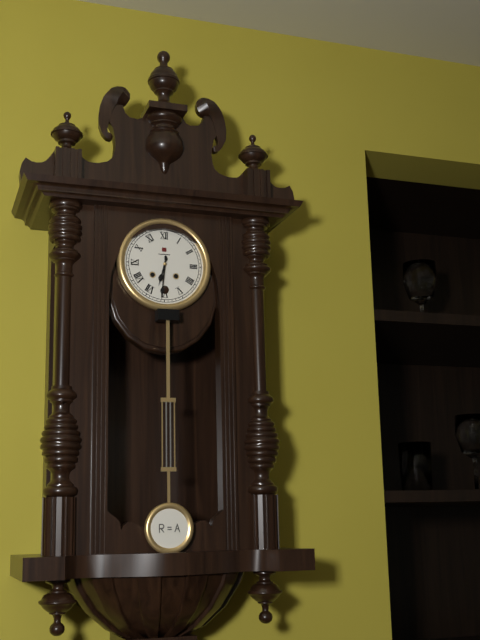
**6:31**
